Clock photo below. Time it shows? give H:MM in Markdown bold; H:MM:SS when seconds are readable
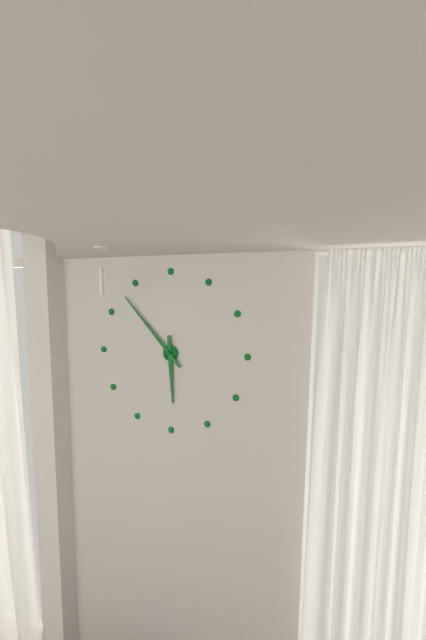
**5:53**
